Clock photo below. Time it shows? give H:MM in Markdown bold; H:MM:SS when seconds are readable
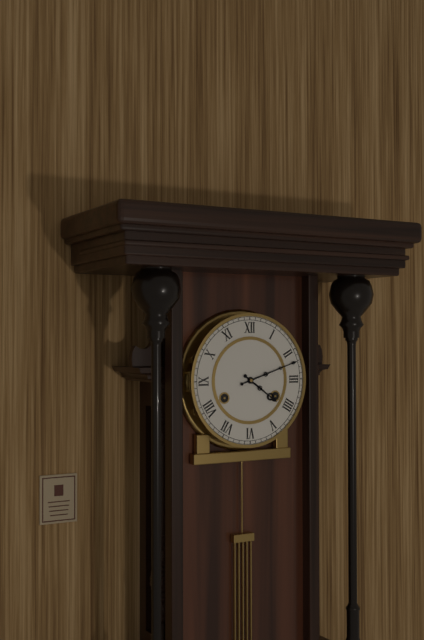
**4:12**
